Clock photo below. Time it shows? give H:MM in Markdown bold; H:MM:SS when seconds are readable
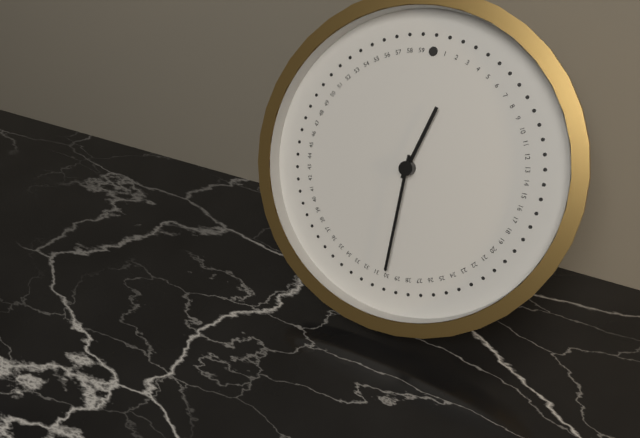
**12:30**
